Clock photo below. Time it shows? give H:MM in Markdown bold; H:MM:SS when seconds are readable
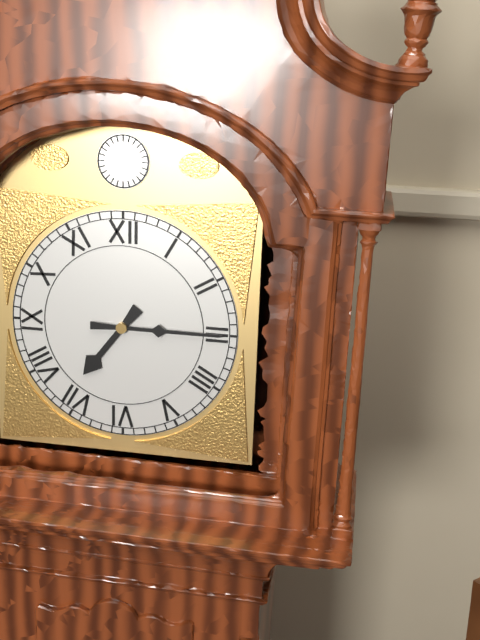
**7:15**
